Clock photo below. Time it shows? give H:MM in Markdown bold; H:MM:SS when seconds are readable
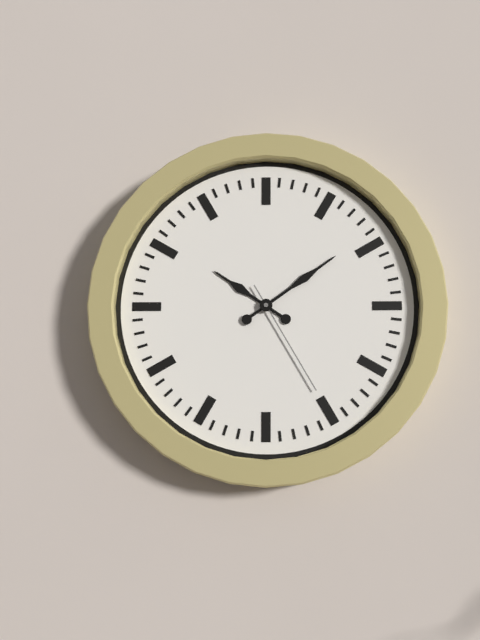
**10:09:25**
